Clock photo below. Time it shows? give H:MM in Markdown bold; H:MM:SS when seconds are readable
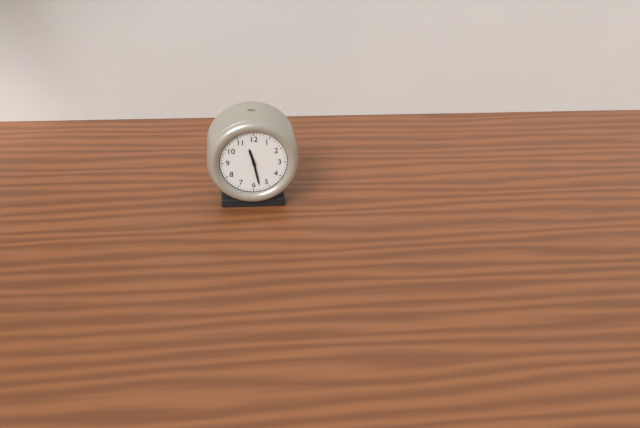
**11:28**
